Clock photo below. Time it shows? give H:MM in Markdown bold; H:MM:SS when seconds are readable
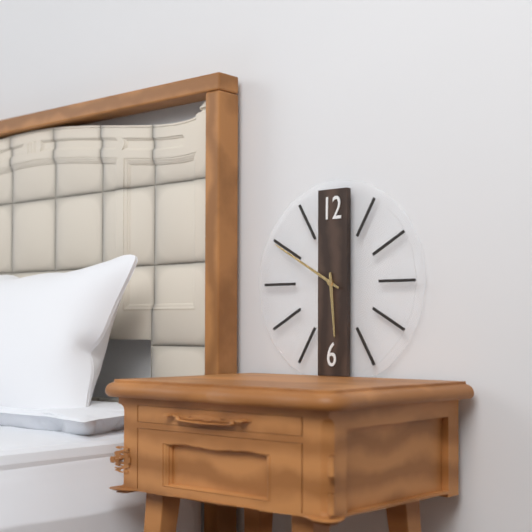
**5:50**
